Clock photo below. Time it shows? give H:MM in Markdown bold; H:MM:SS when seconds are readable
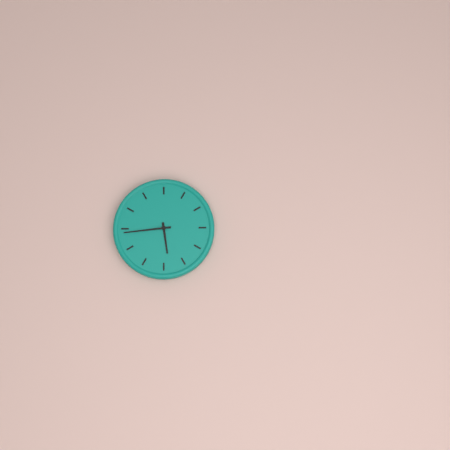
**5:44**
